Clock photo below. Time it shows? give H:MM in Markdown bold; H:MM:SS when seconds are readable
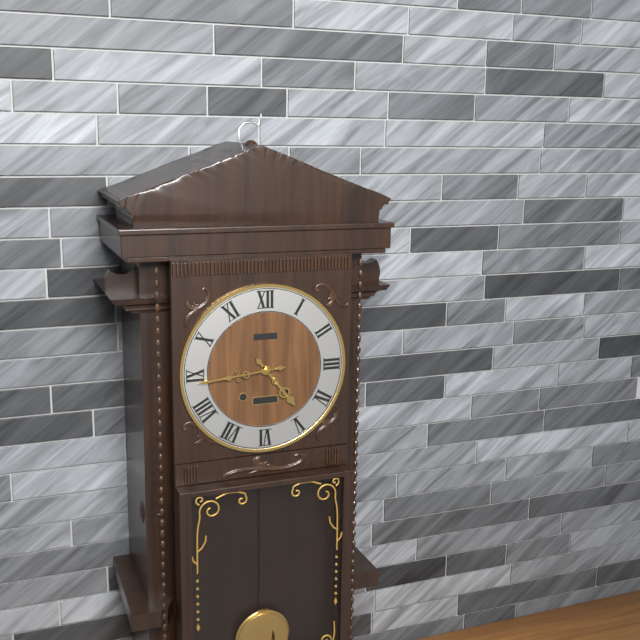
**4:44**
